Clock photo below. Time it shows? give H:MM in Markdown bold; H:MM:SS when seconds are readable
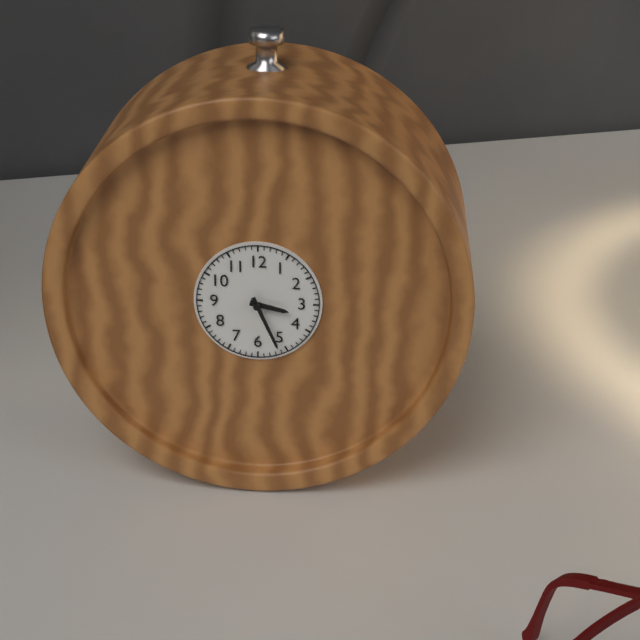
**3:26**
